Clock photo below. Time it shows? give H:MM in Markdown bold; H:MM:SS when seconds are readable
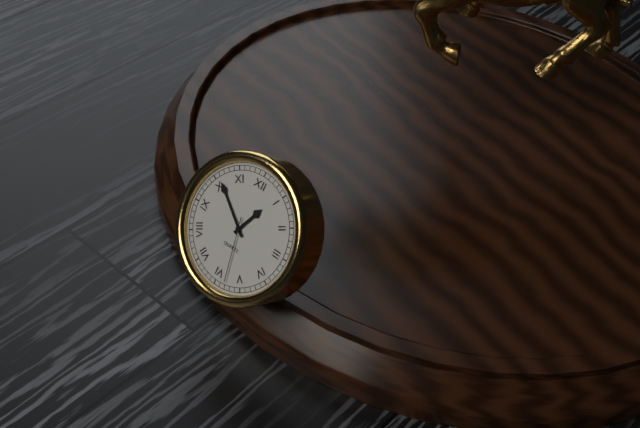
**12:51:28**
